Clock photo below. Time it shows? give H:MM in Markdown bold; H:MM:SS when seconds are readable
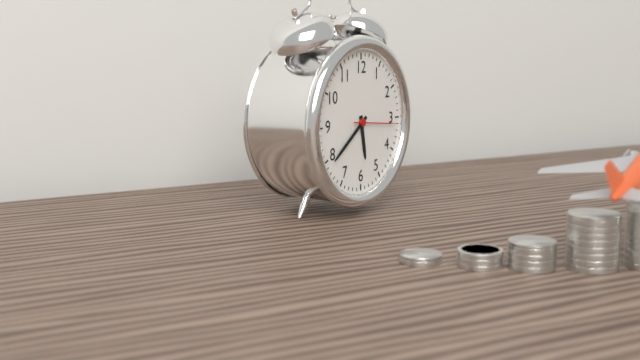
**5:39**
